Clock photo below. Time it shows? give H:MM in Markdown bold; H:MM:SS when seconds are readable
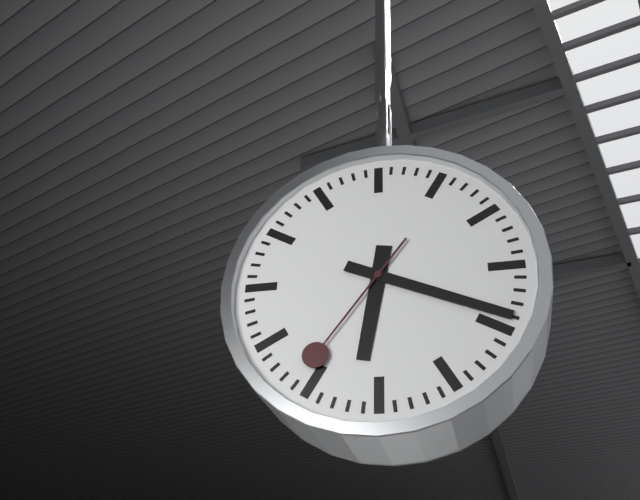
**6:19:36**
